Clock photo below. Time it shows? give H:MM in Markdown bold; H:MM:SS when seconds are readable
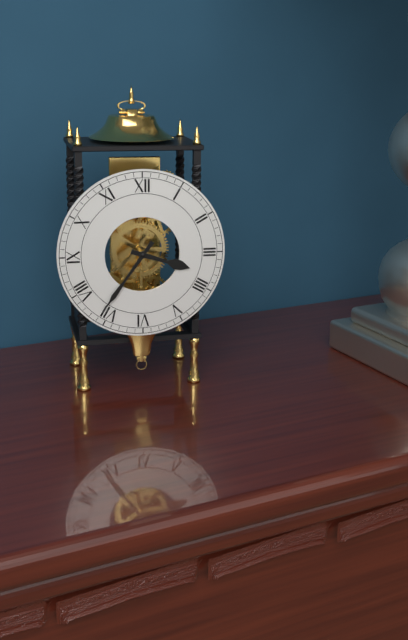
**3:36**
